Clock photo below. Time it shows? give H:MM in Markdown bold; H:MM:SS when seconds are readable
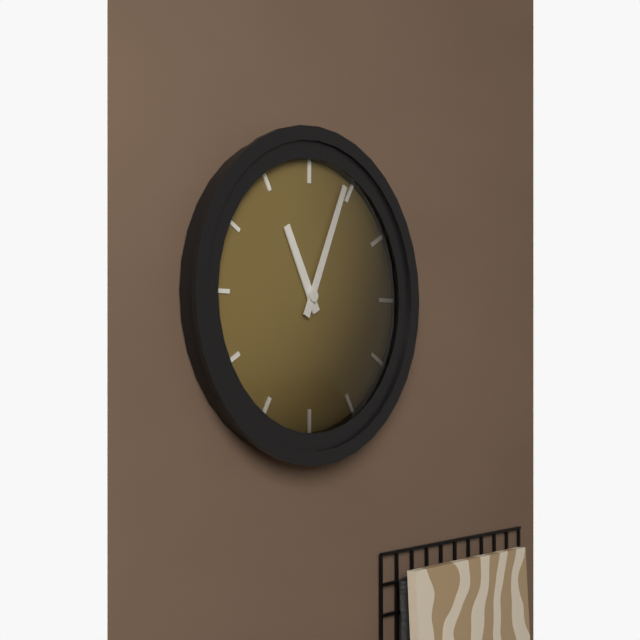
**11:04**
